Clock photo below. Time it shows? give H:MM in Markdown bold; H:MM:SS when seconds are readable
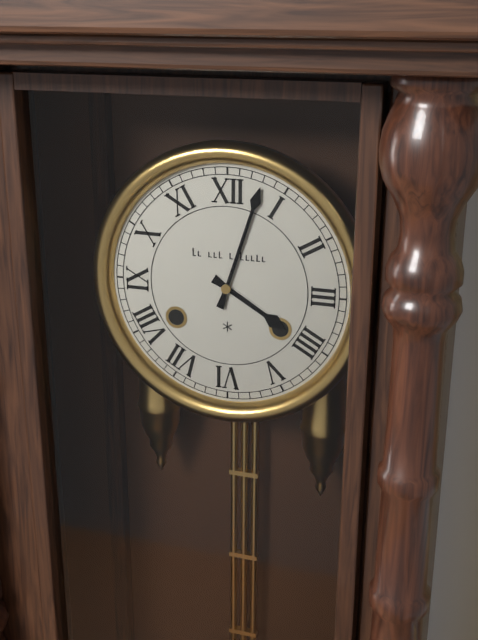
**4:03**
